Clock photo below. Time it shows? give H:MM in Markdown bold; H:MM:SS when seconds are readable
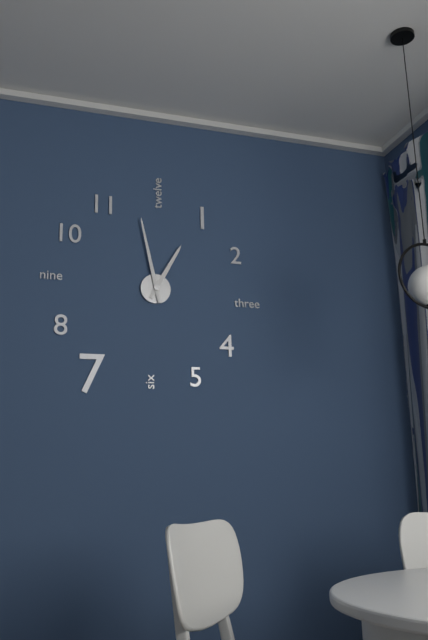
**12:58**
